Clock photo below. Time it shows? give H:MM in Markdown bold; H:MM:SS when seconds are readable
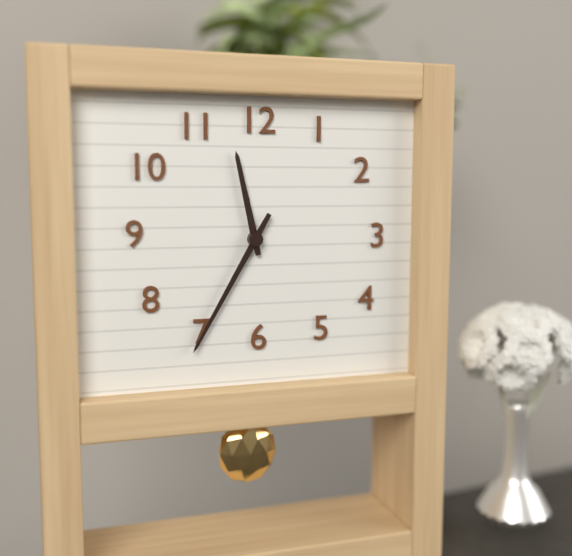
**11:35**
